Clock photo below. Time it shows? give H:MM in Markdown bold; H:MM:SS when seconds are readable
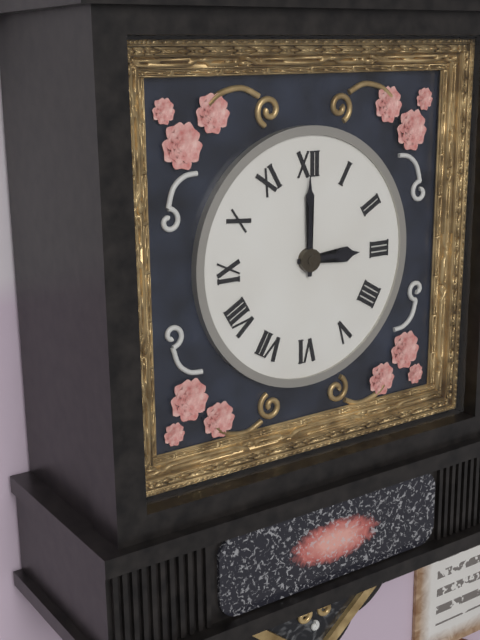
**3:00**
